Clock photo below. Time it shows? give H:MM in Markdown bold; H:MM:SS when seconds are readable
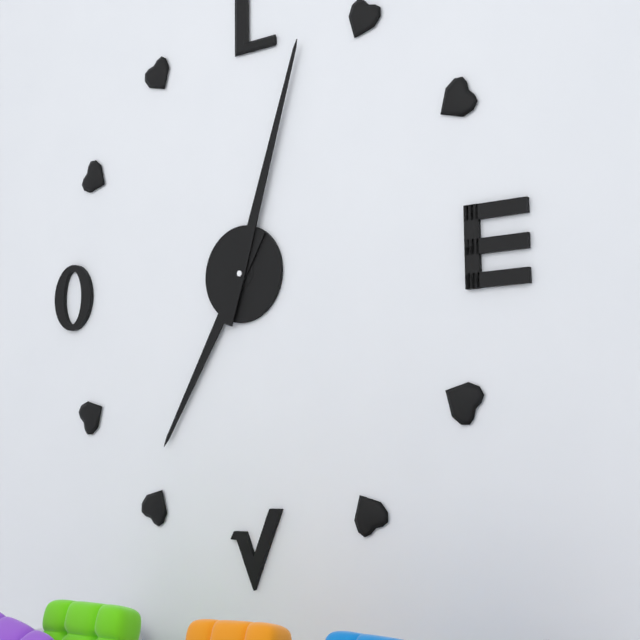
**7:03**
